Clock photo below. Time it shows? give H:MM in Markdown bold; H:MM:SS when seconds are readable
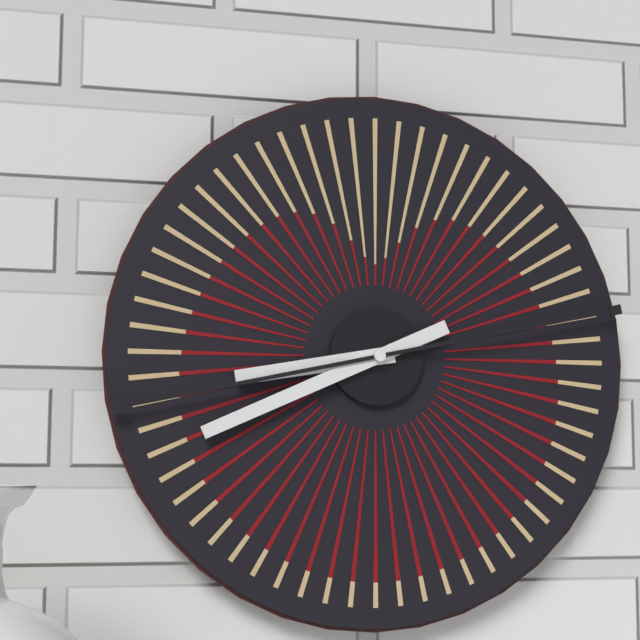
**8:41**
